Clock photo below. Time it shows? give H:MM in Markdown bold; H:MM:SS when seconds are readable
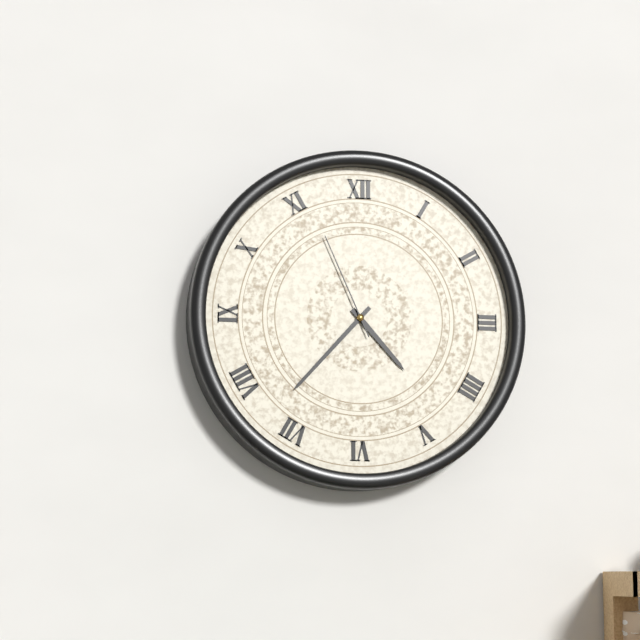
**4:37:56**
